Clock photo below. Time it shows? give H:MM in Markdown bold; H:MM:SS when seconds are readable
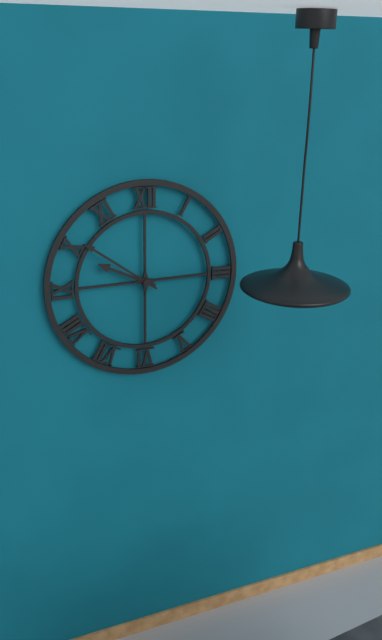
**9:51**
